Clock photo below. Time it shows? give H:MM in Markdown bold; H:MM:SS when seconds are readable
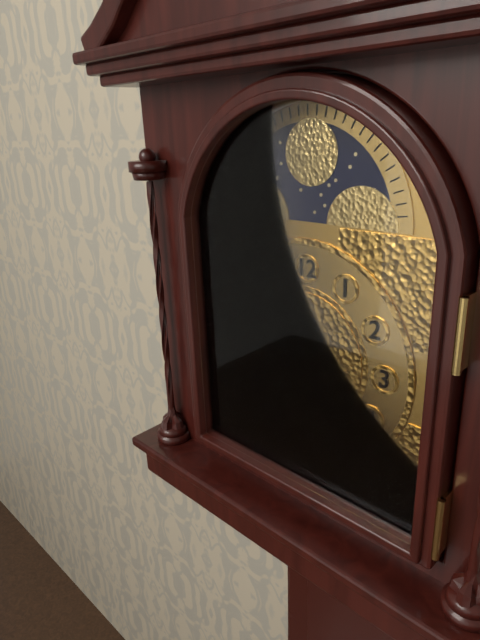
**11:29**
